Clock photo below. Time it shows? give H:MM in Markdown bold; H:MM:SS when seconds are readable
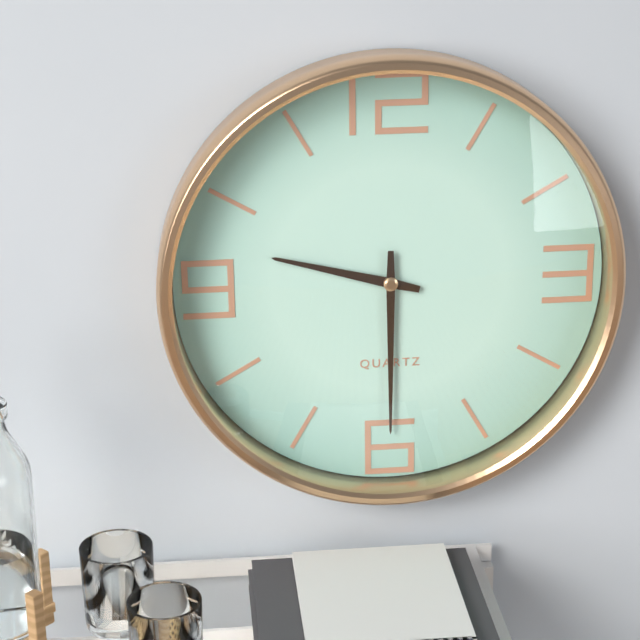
**9:30**
